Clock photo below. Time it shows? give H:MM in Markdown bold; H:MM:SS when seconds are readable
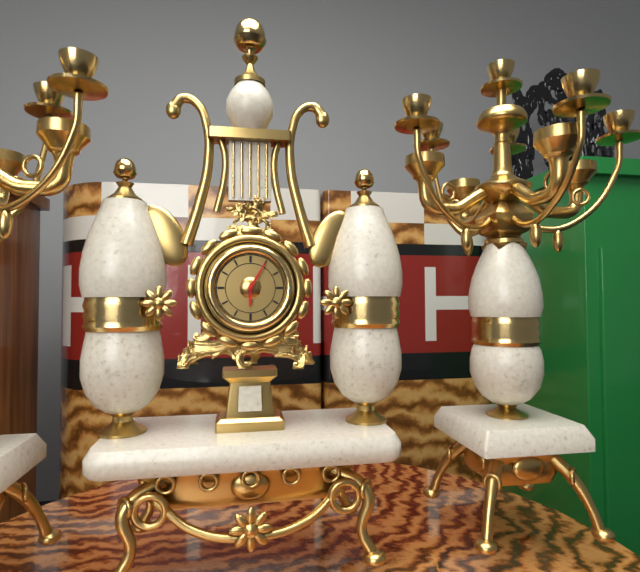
**6:05**
